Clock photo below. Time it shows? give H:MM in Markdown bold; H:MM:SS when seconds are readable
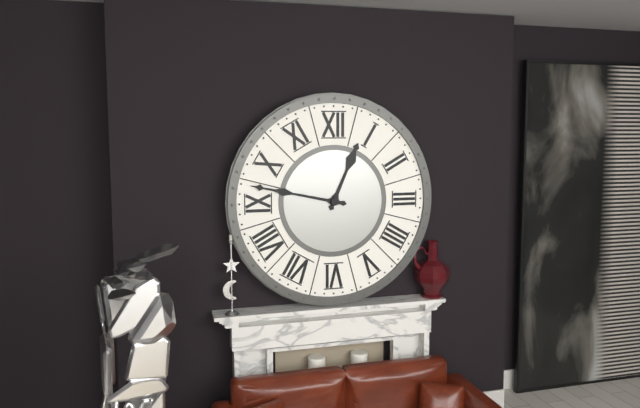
**12:47**
